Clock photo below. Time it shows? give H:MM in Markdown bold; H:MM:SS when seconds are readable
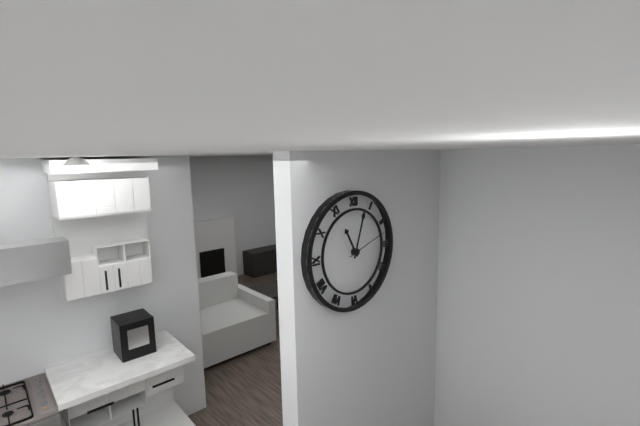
**11:03**
